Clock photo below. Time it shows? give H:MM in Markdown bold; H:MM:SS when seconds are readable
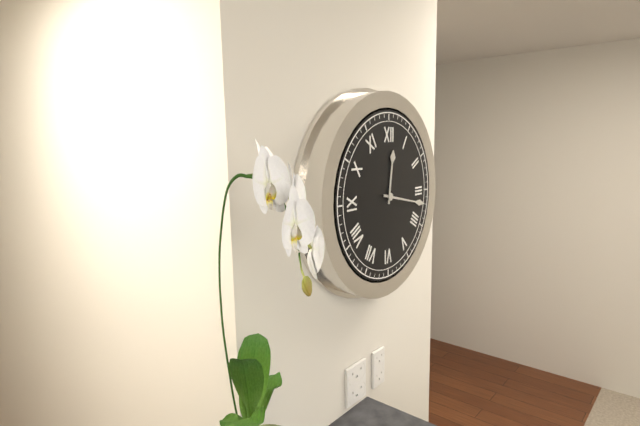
**12:17**
